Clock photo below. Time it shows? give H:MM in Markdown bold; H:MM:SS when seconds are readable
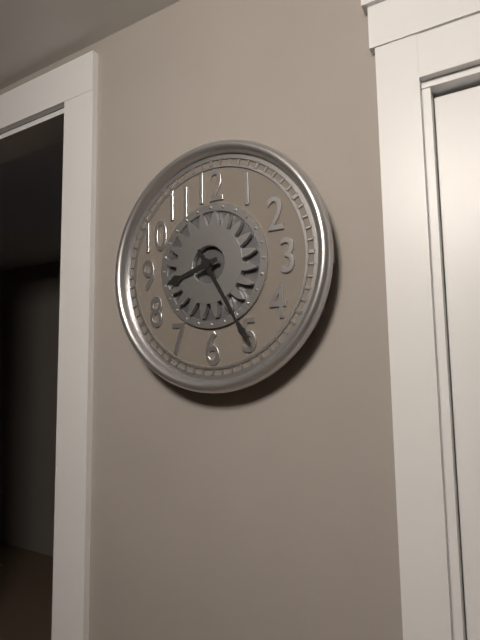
**8:25**
